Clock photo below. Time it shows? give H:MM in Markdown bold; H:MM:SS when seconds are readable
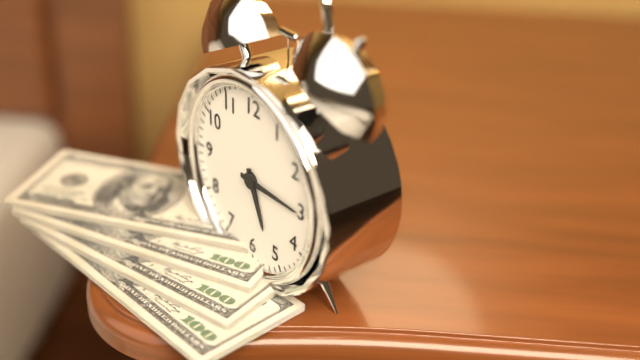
**5:15**
